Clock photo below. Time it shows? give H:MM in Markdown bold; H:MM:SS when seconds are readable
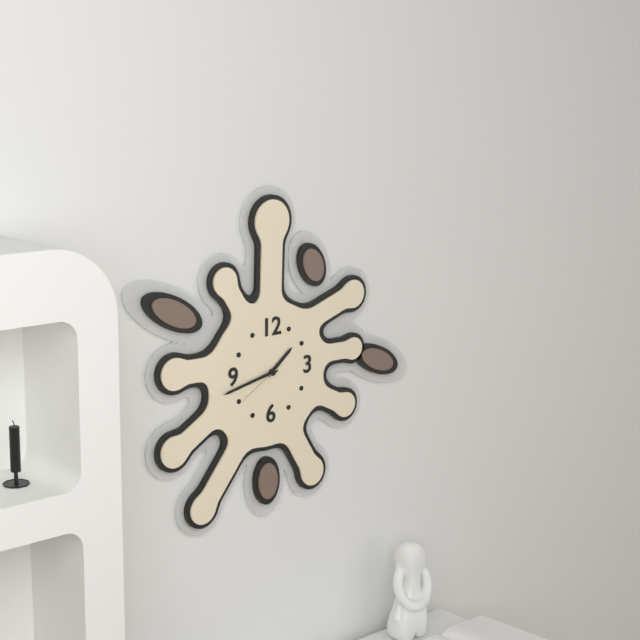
**1:43:40**
